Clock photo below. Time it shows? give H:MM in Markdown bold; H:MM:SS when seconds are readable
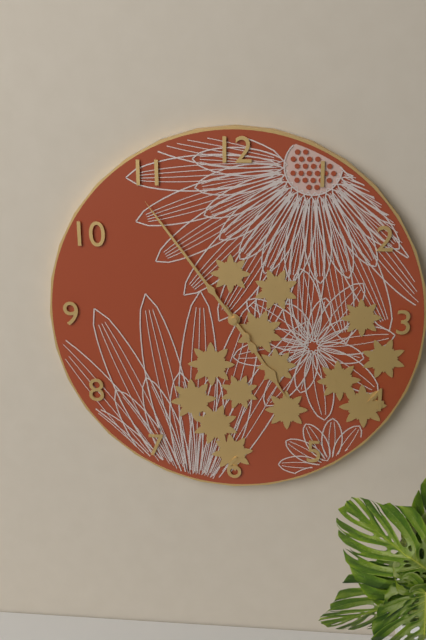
**4:54**
